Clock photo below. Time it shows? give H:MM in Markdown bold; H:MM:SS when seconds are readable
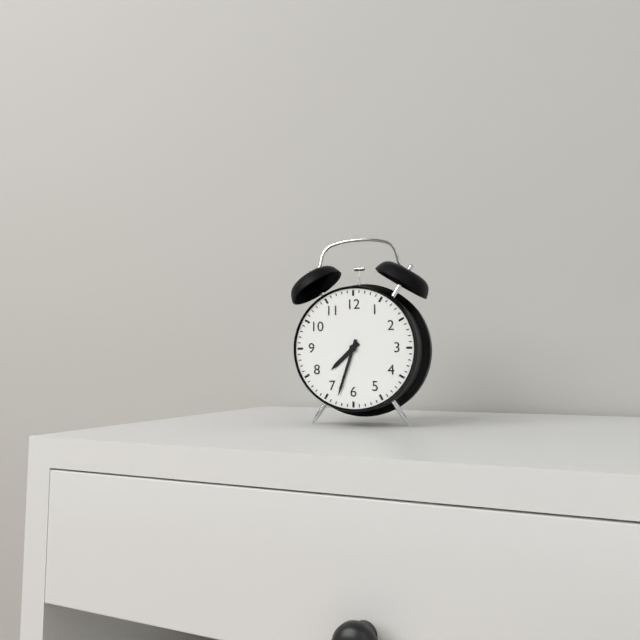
**7:33**
